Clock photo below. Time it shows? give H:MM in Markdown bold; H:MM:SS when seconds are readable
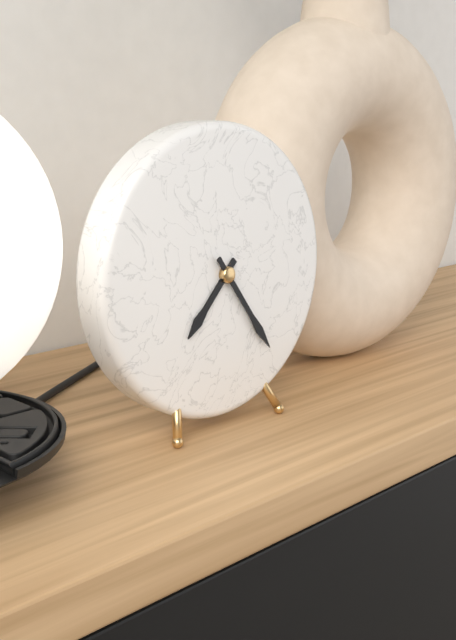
**7:24**
